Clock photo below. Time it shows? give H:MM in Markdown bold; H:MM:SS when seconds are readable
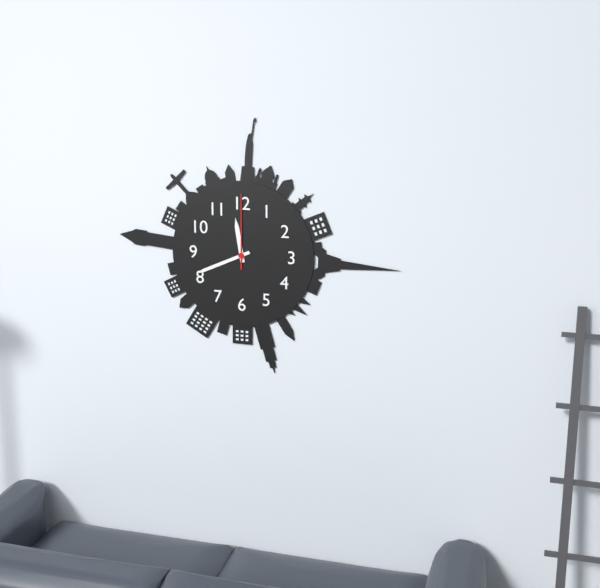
**11:41:00**
